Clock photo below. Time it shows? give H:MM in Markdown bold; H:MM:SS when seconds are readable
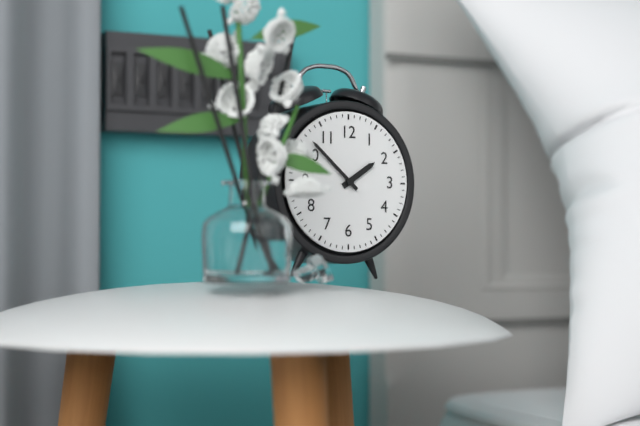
**1:52**
